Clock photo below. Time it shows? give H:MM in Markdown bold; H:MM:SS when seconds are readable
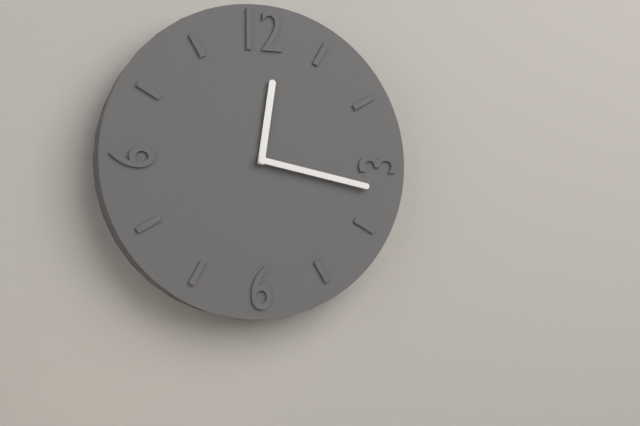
**12:17**
